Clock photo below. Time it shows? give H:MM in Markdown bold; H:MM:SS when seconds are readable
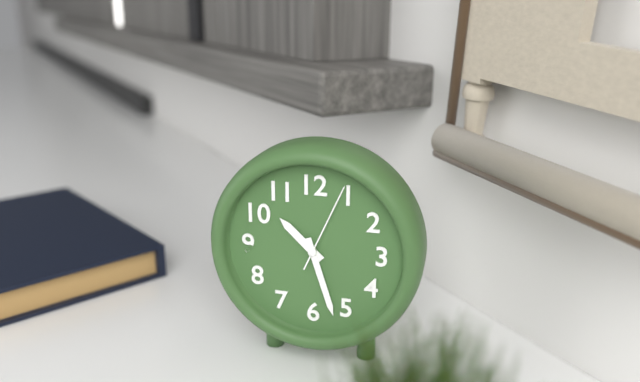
**10:27:04**
